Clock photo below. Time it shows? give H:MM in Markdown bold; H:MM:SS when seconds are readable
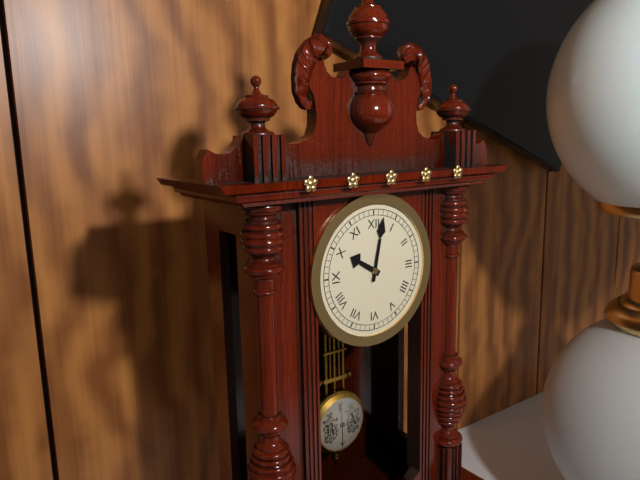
**10:02**
